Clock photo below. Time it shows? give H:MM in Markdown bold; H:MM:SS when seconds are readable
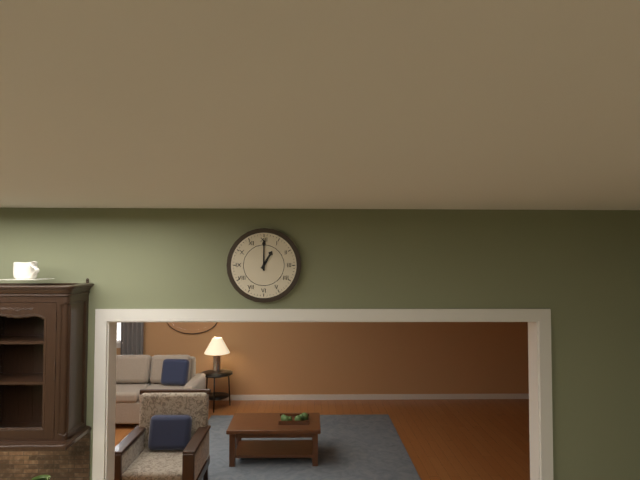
**1:00**
